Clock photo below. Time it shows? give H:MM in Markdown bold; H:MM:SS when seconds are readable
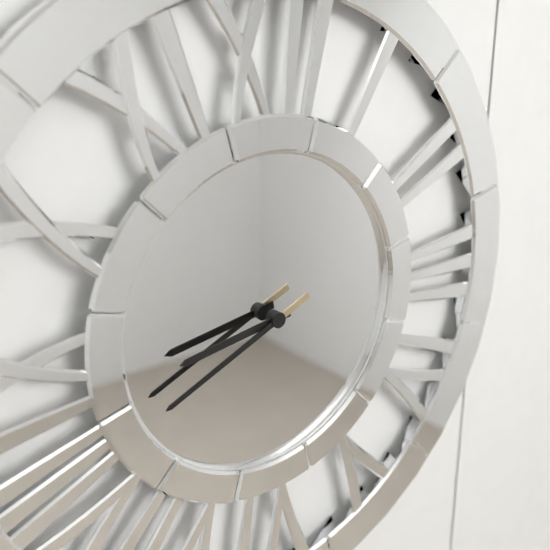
**8:41**
